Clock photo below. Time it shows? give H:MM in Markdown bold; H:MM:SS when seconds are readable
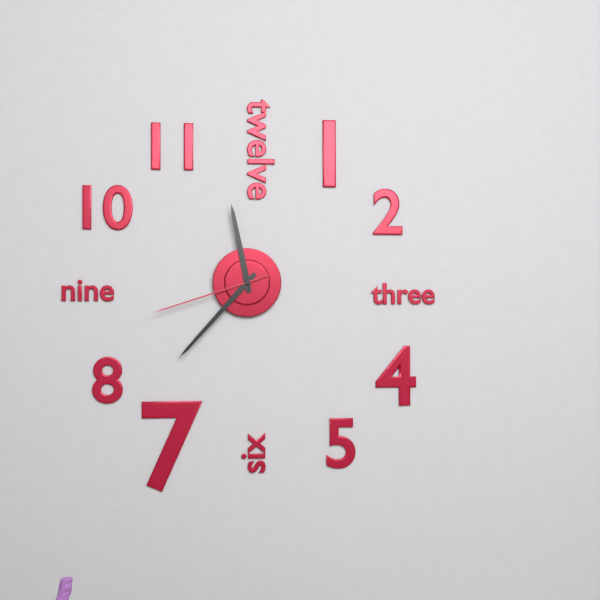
**11:37:42**
